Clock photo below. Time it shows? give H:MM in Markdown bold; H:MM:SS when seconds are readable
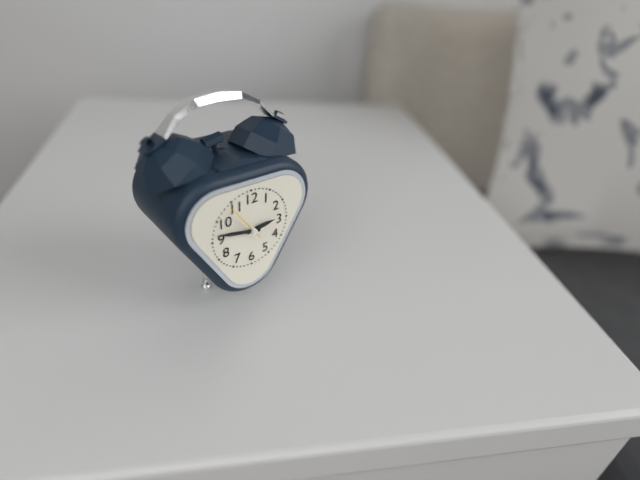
**2:47**
